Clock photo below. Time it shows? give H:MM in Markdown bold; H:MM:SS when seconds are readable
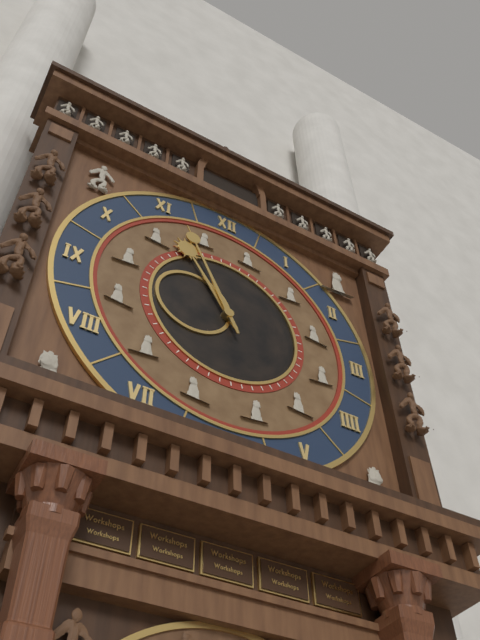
**10:56**
